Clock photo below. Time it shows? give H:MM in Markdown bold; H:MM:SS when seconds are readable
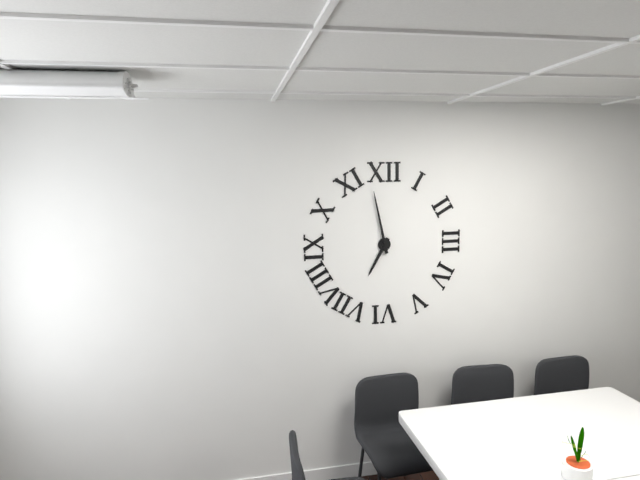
**6:58**
